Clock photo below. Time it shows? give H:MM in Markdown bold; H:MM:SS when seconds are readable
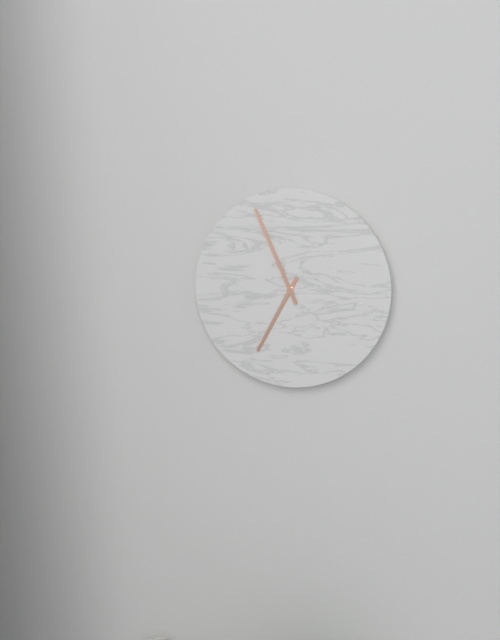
**6:56**
